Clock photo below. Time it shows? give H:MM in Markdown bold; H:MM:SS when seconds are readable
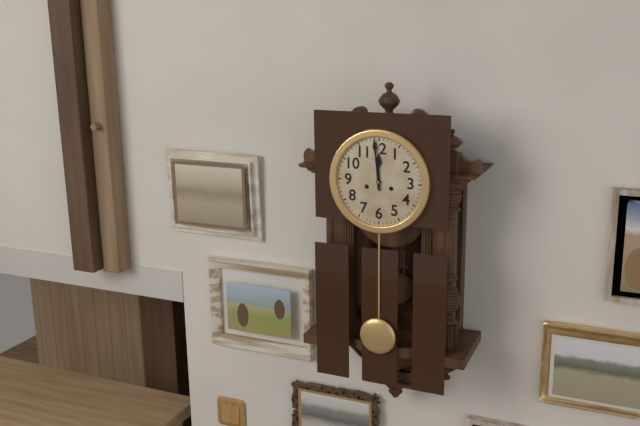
**11:59**
